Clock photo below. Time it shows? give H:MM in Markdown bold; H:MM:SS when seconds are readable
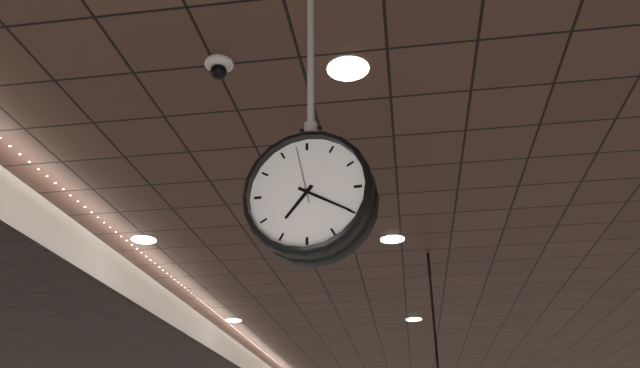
**7:20:58**
